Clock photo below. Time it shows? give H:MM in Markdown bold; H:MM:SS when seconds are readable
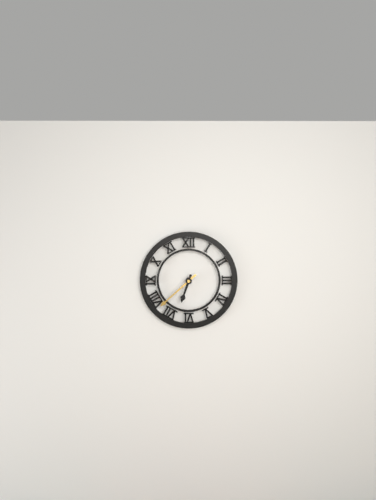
**6:38**
